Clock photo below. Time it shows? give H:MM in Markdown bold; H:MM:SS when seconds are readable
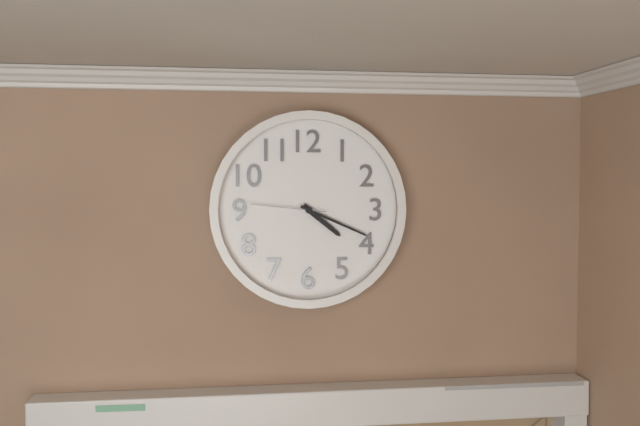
**4:19:46**
